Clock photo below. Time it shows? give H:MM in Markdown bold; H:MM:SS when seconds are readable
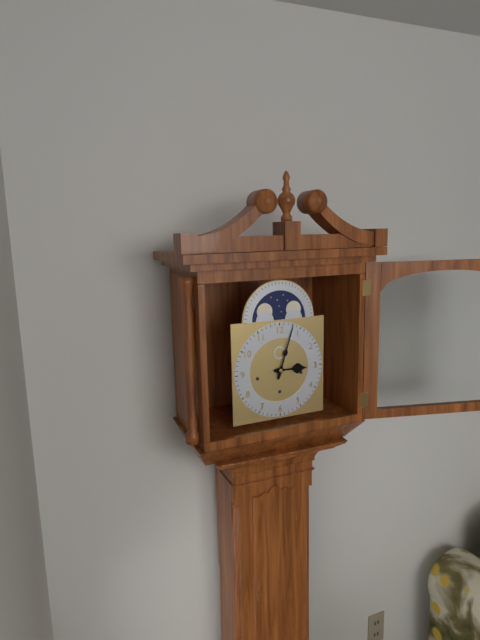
**3:03**
